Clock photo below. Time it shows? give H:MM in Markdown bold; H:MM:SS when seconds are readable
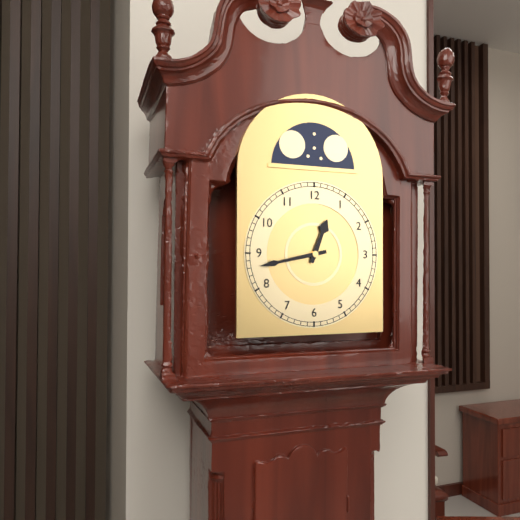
**12:43**
